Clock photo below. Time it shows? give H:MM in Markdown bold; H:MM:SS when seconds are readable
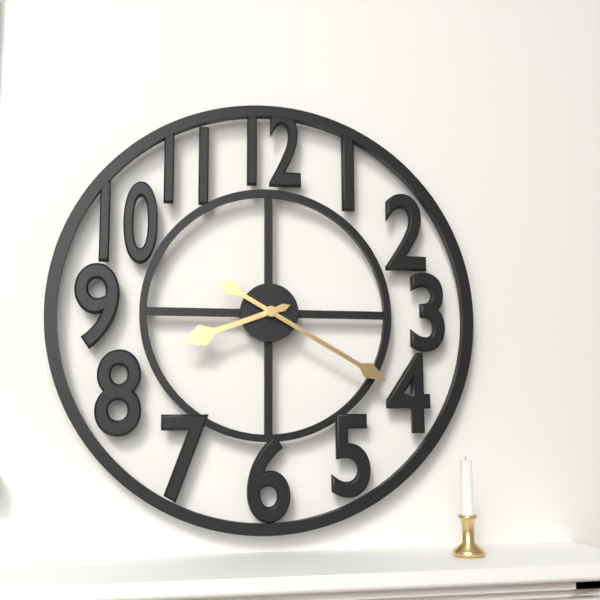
**8:20**
